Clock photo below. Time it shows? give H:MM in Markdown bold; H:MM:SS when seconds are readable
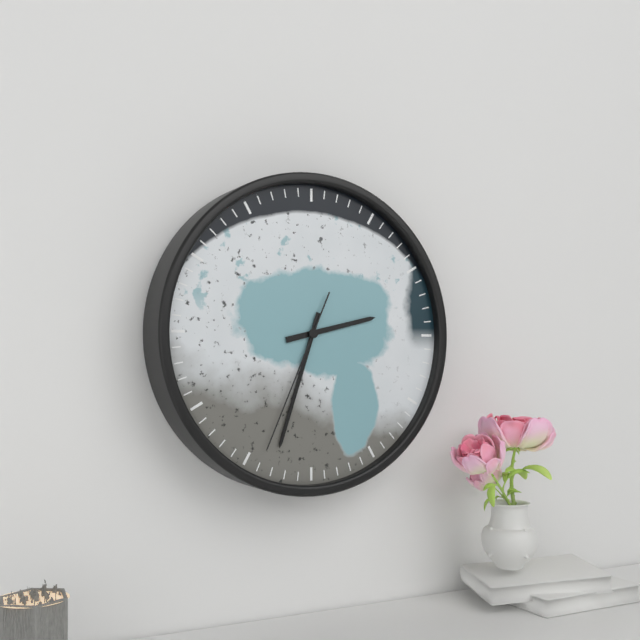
**2:33:34**
